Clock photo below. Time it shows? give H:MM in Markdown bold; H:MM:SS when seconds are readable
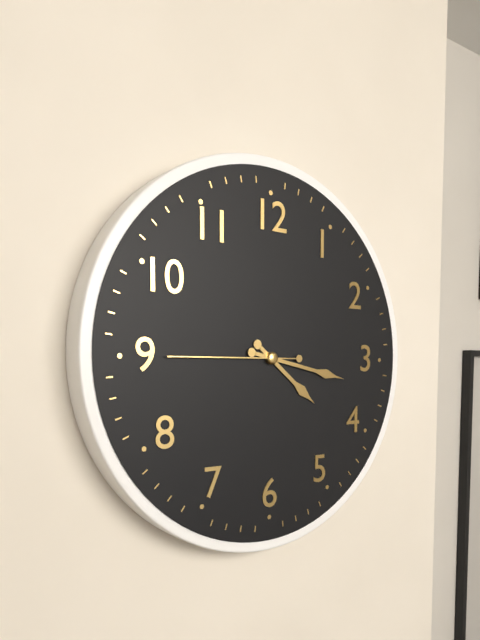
**4:17:45**
